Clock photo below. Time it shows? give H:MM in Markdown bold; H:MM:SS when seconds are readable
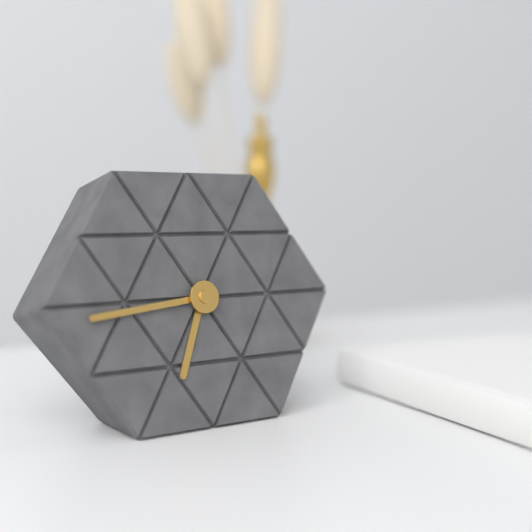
**6:44**
